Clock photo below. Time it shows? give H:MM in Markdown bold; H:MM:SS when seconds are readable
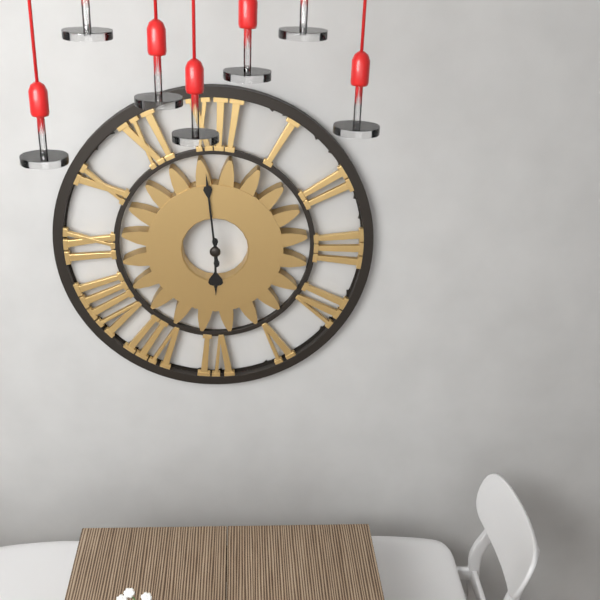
**5:59**
